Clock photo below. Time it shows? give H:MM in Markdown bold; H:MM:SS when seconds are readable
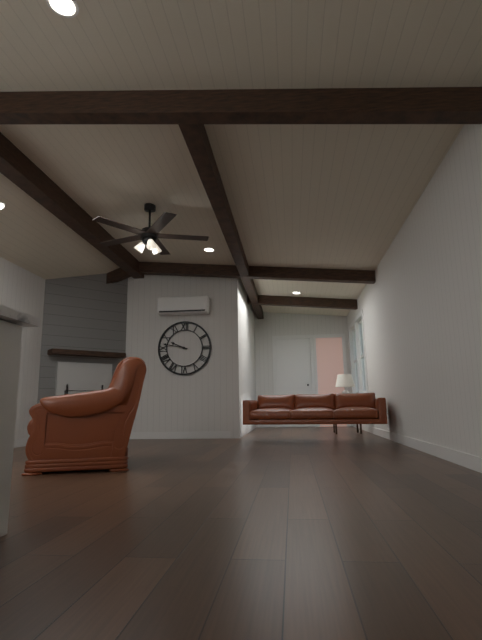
**9:47**
